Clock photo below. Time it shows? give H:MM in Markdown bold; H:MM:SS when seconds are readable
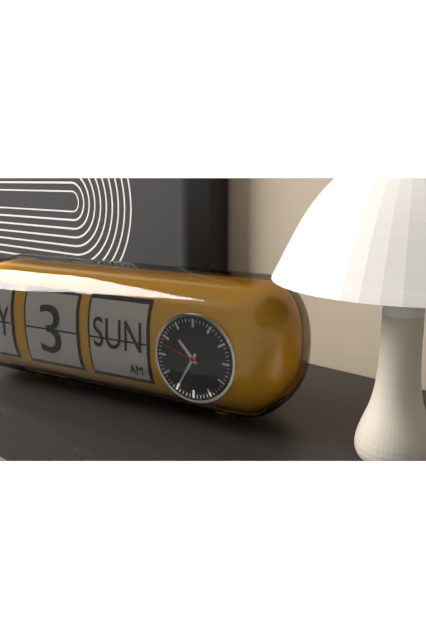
**10:35:48**
